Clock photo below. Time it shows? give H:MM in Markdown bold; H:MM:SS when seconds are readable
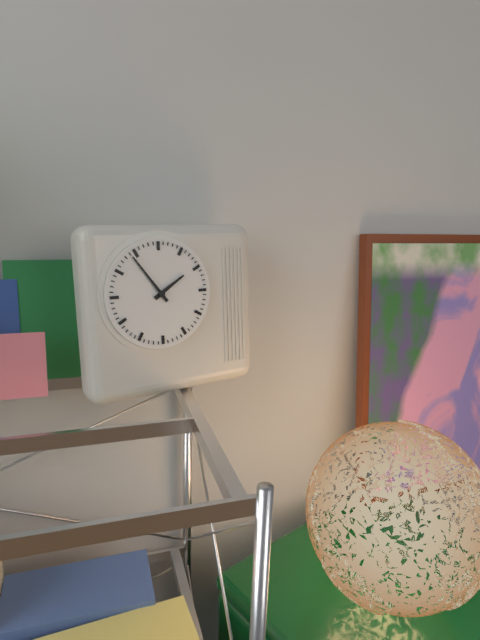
**1:54**
